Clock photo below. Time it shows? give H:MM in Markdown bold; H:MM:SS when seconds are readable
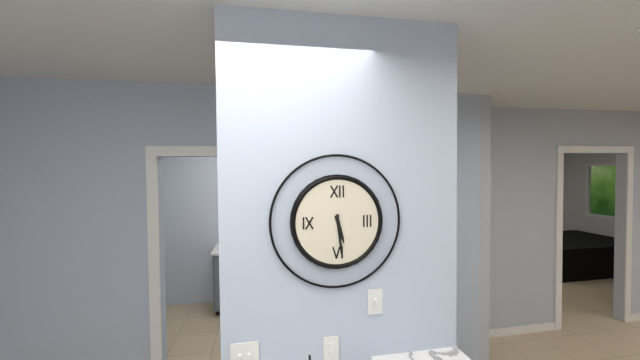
**5:29**
